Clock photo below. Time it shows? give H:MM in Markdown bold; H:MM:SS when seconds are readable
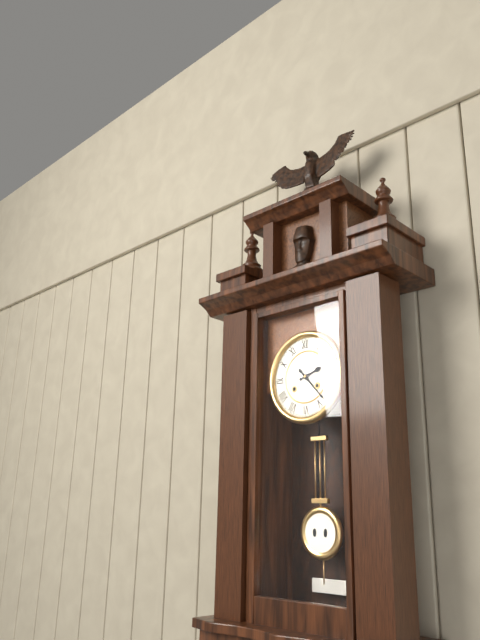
**2:23**
